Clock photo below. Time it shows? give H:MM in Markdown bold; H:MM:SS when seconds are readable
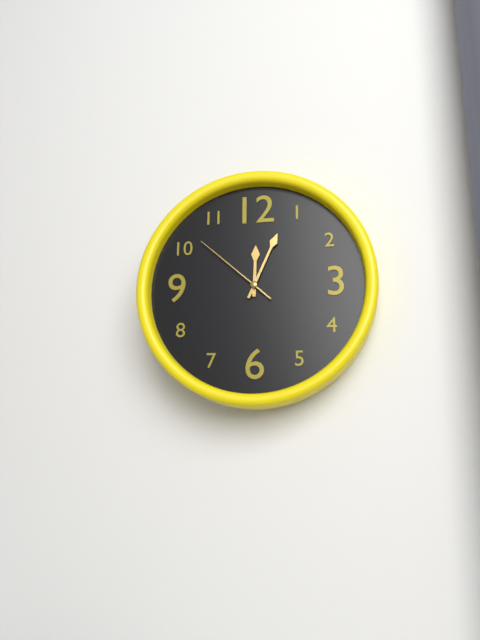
**12:04:52**
